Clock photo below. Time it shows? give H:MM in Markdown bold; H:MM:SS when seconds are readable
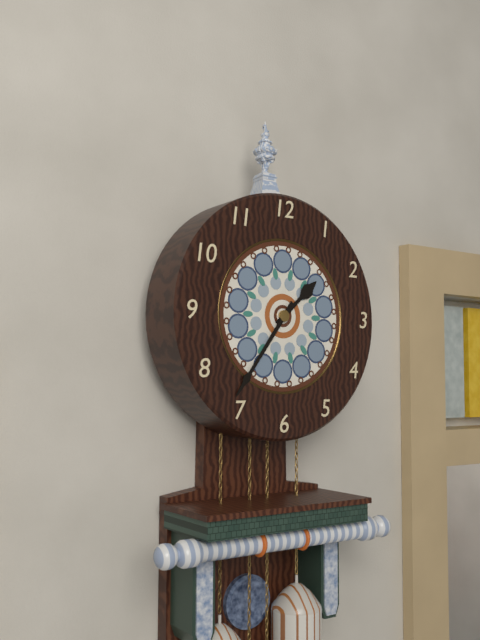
**1:36**
